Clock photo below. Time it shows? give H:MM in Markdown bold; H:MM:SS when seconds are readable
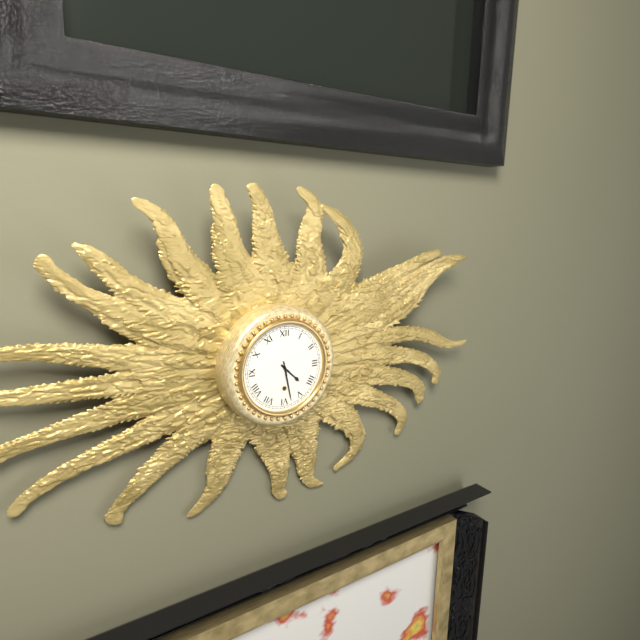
**4:28**
